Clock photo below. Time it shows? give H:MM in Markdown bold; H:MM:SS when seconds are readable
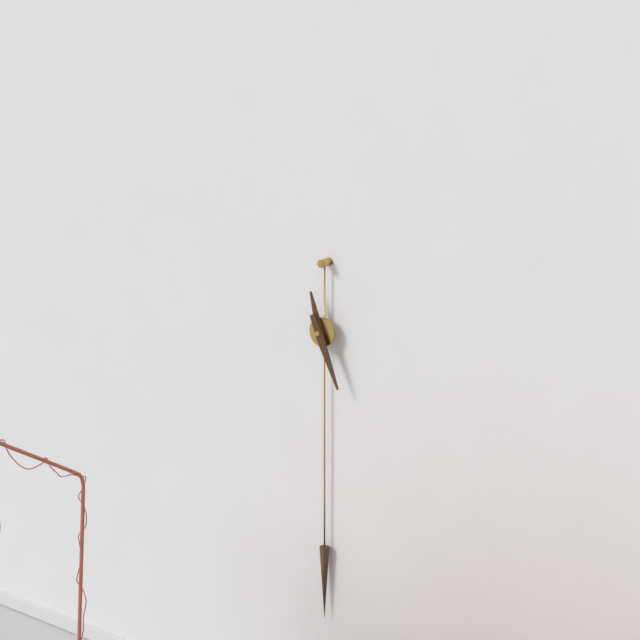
**11:26**
